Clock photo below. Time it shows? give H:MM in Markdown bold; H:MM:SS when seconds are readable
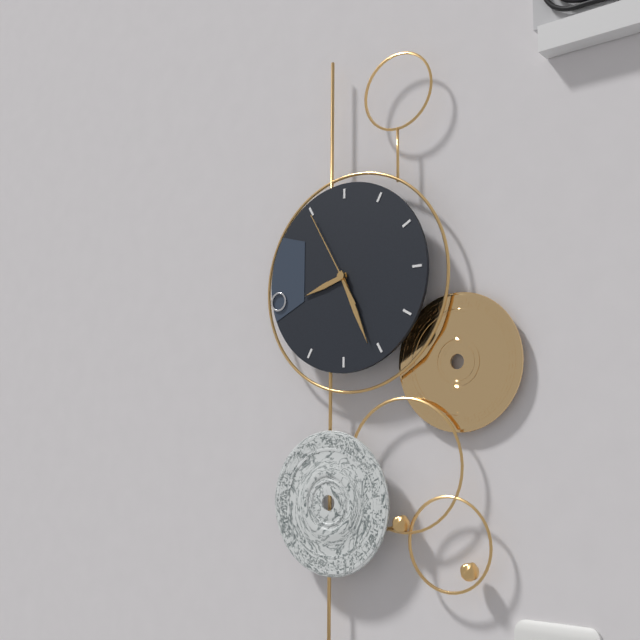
**8:26:55**
